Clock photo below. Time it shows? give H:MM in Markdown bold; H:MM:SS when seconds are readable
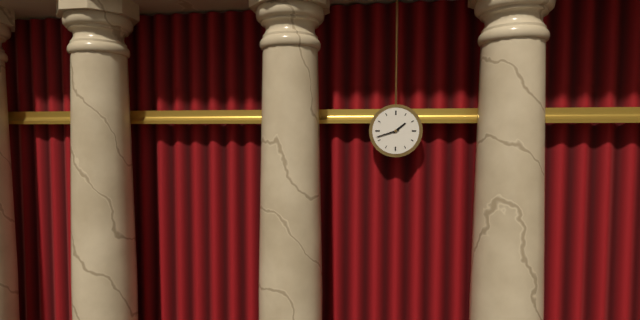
**1:42**
